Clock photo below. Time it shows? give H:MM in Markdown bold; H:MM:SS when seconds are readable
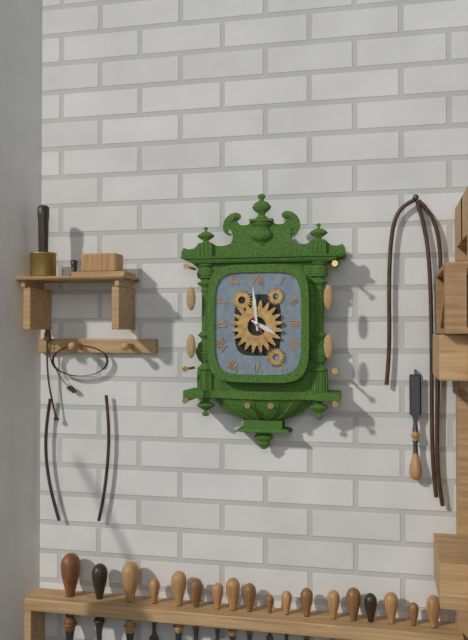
**3:59**
